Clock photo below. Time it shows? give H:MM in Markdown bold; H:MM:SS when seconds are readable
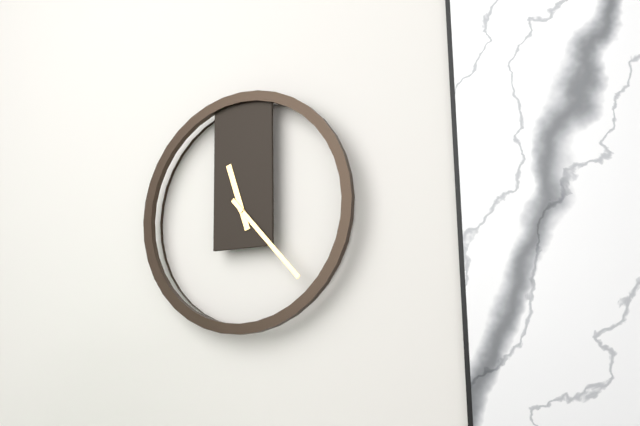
**11:23**
